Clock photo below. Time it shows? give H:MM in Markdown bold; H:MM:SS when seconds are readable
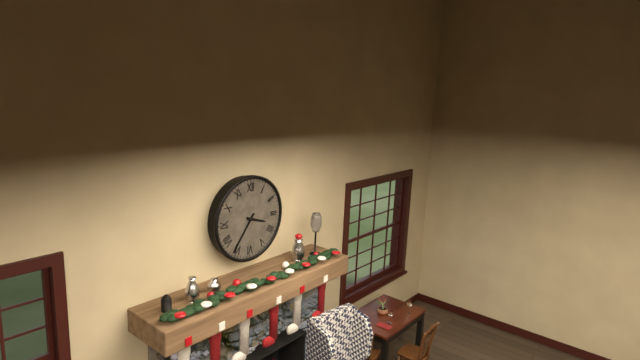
**3:36**
